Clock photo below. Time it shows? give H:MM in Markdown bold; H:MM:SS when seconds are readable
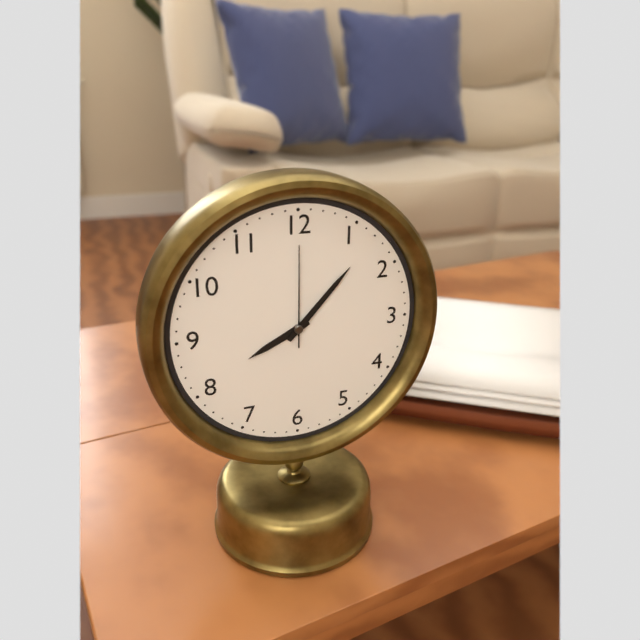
**8:07:00**
